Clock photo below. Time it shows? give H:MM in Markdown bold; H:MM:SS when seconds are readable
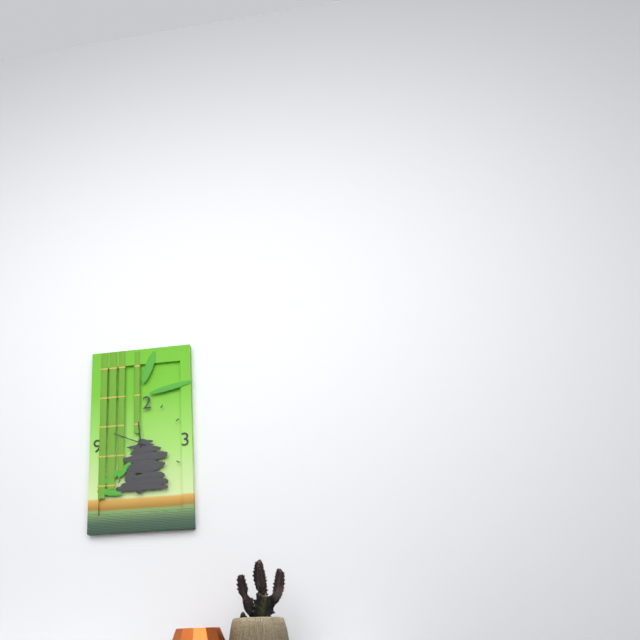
**11:49**
